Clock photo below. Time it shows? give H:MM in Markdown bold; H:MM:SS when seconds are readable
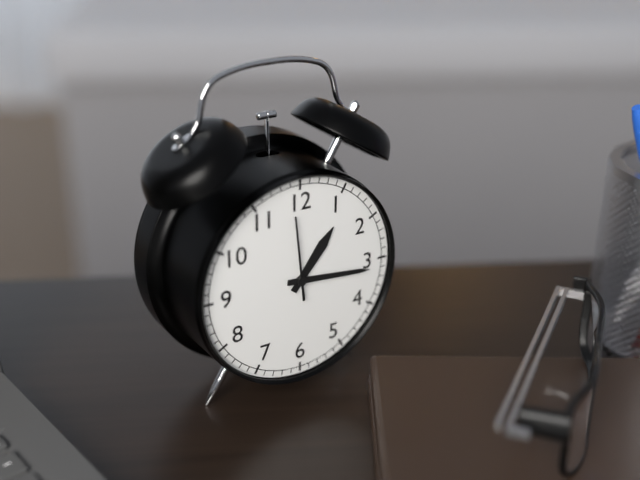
**1:16:59**
